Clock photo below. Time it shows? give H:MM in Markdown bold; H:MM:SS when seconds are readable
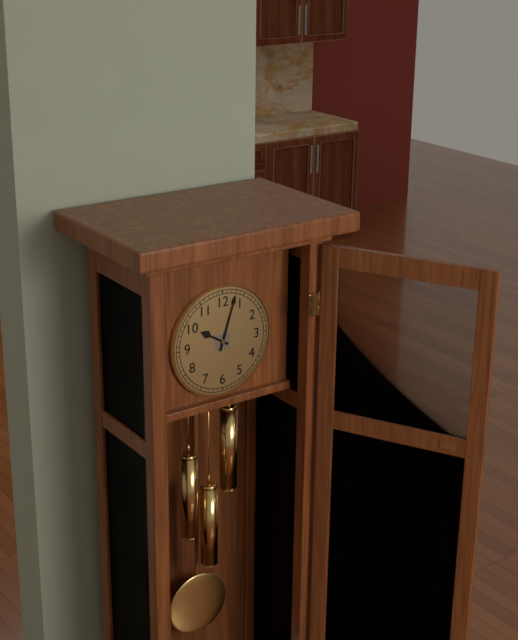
**10:03**
